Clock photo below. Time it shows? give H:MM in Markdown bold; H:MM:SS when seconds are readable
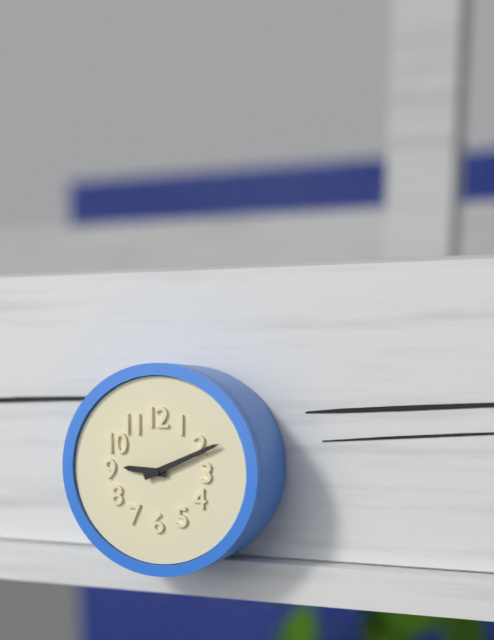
**9:11**
